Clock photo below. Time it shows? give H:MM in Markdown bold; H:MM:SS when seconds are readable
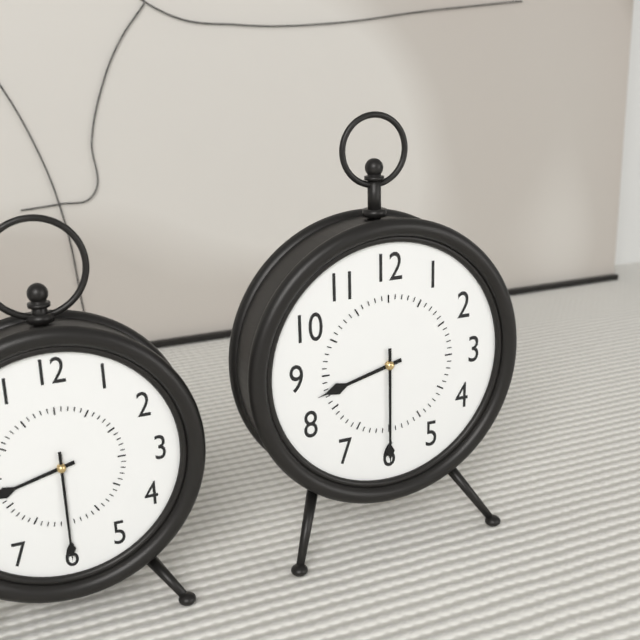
**8:30**
